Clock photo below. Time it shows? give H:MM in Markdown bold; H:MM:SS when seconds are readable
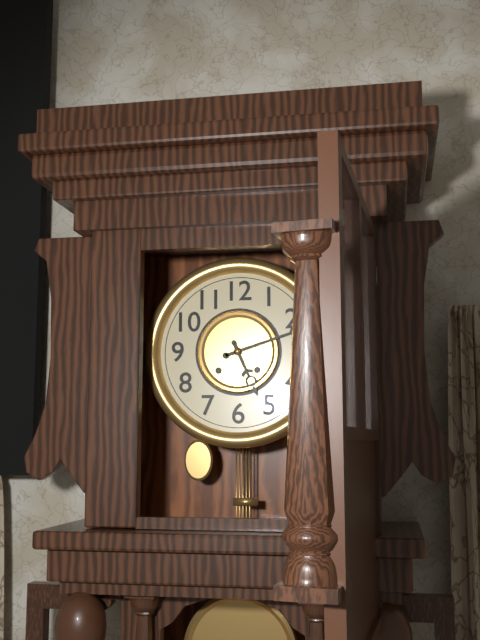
**5:12**
